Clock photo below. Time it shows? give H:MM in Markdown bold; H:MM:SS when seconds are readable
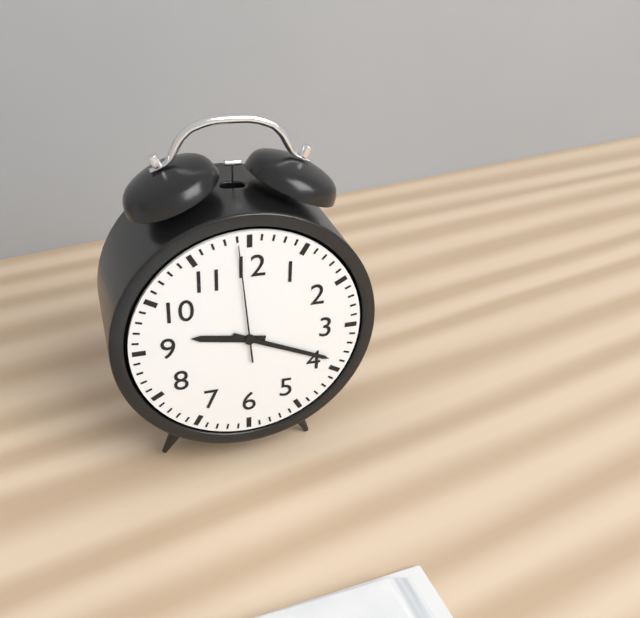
**9:19:59**
